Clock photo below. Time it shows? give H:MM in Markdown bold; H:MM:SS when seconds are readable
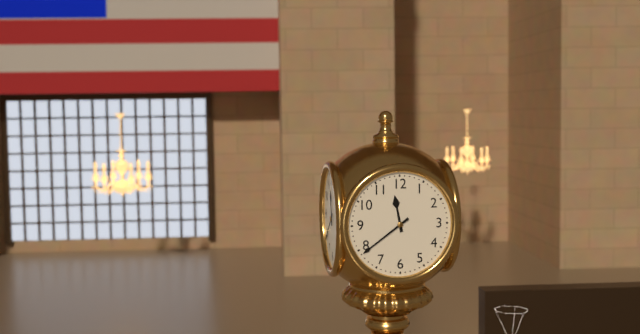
**11:39**
